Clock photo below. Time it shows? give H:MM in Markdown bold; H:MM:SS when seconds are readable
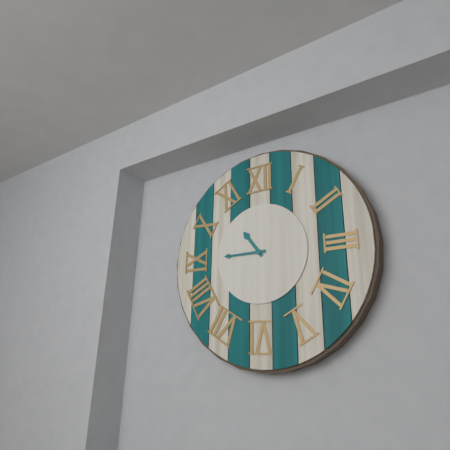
**10:45**
